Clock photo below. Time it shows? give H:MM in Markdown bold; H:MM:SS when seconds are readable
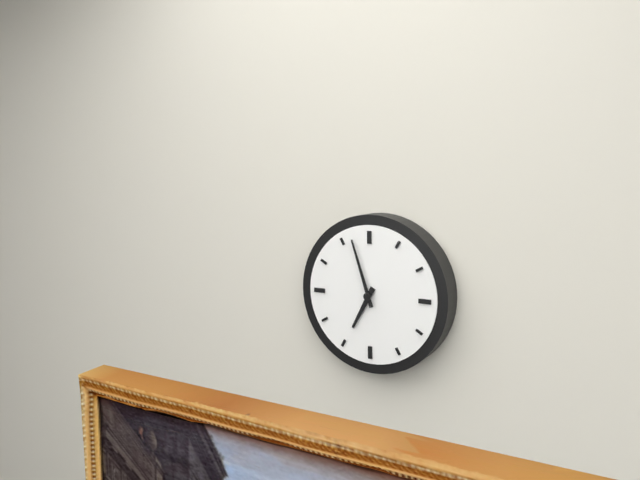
**6:57**
